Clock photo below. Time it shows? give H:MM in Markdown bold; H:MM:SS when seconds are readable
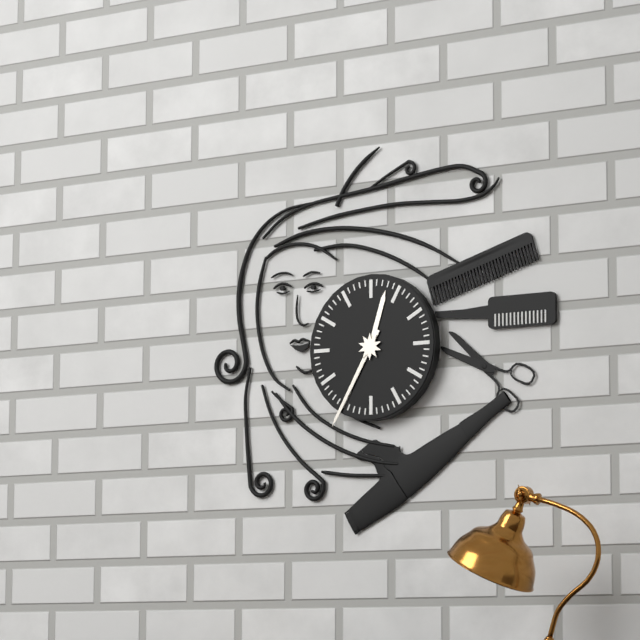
**12:35**
